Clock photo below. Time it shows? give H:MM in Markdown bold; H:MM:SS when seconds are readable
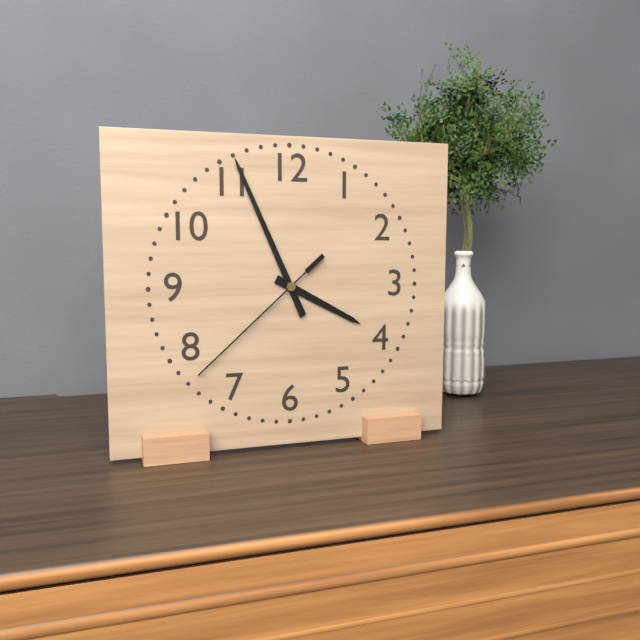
**3:56:38**
